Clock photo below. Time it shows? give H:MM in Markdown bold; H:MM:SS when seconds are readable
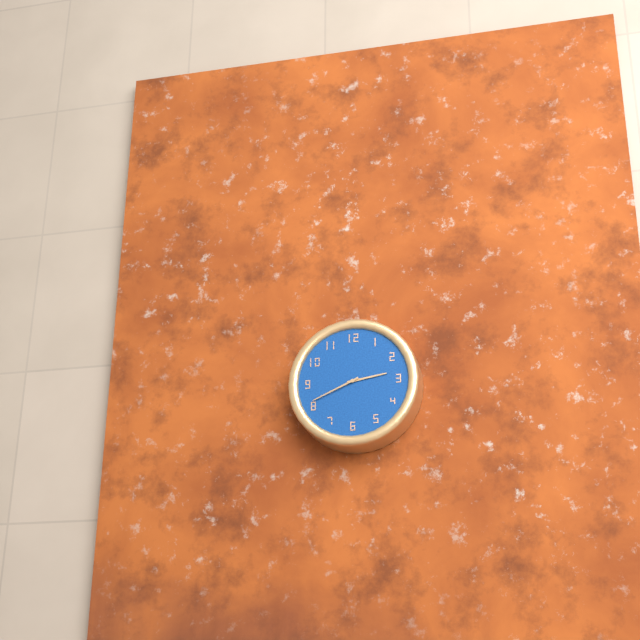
**2:41**
